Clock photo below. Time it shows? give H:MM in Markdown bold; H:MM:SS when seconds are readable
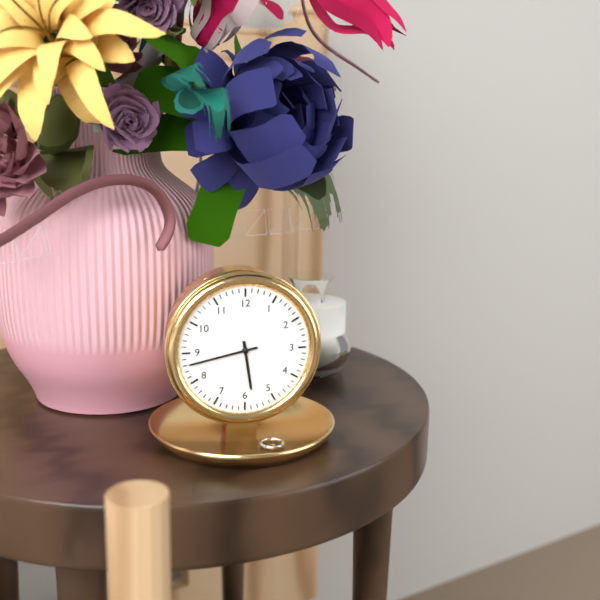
**5:43**
